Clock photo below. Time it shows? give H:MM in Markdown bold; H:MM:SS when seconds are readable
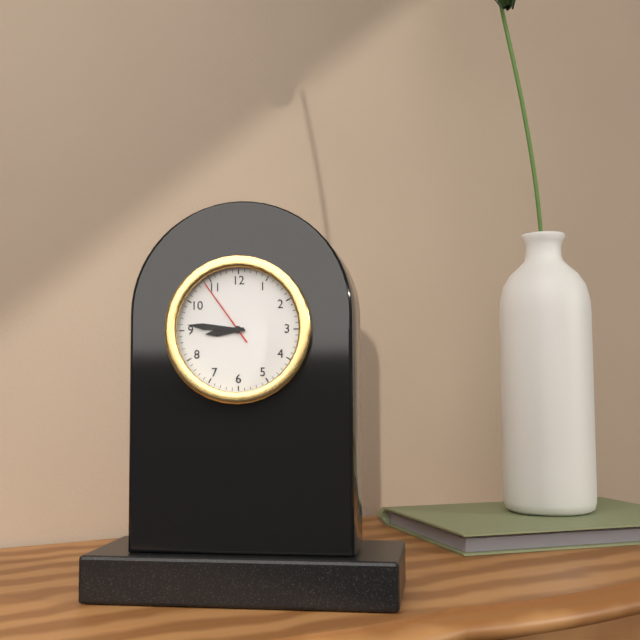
**8:46:54**
